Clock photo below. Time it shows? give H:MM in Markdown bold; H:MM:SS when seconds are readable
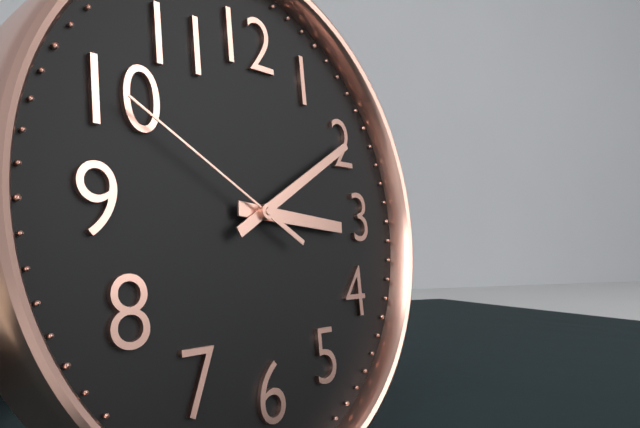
**3:10:50**
